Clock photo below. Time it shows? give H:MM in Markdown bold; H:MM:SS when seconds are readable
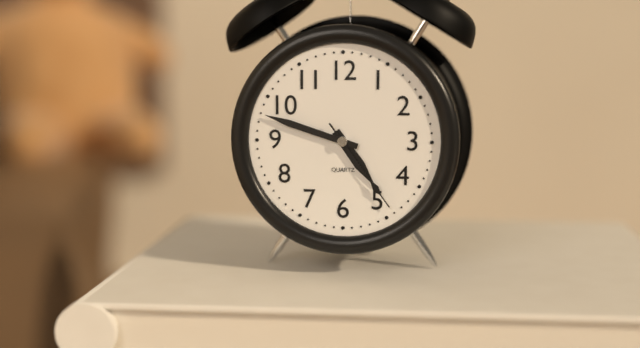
**4:48:24**
